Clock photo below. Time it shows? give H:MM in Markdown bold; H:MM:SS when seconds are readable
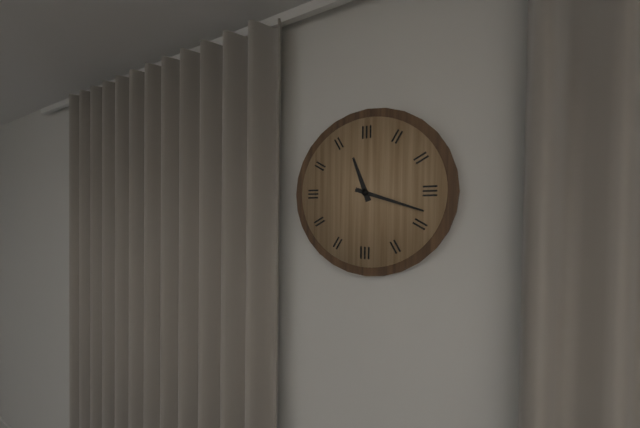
**11:18**
